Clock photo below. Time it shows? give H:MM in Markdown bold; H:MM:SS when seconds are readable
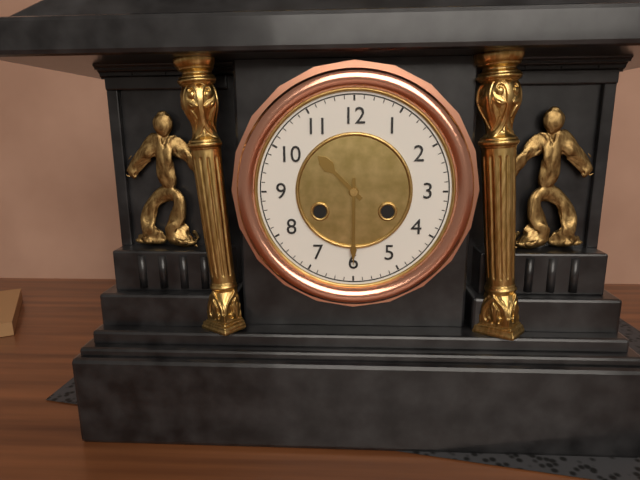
**10:30**
